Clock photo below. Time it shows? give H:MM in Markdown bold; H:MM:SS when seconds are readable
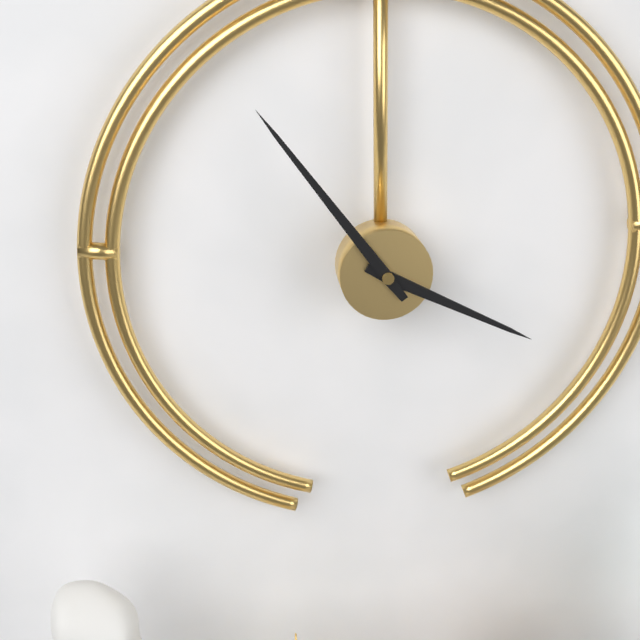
**3:54**
